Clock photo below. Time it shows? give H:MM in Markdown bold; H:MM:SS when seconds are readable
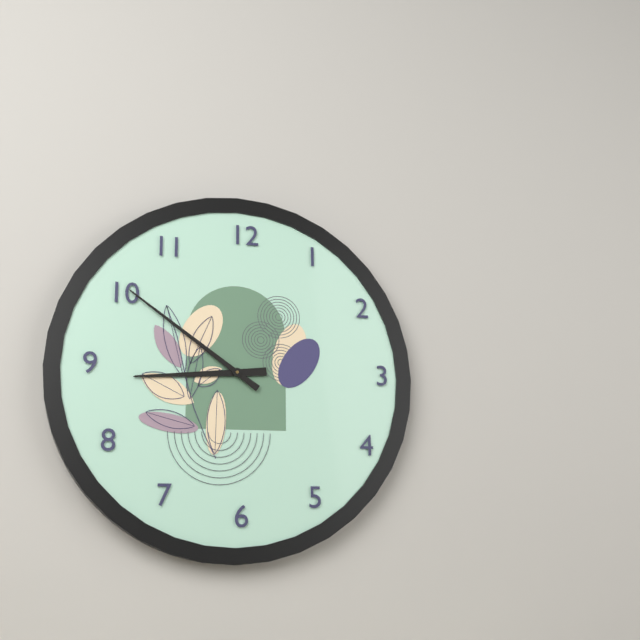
**8:51**
